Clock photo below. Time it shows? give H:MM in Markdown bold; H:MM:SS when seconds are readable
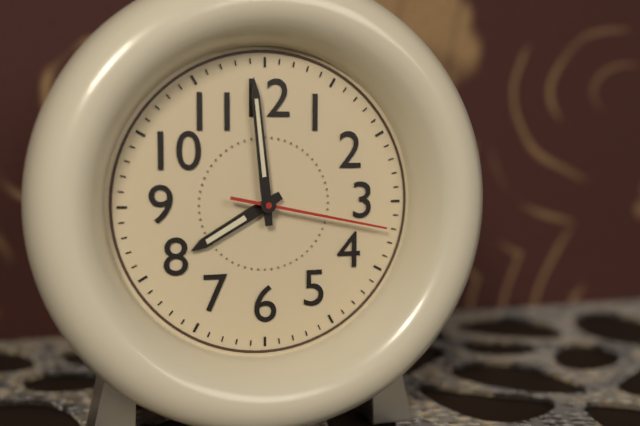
**7:59:17**
